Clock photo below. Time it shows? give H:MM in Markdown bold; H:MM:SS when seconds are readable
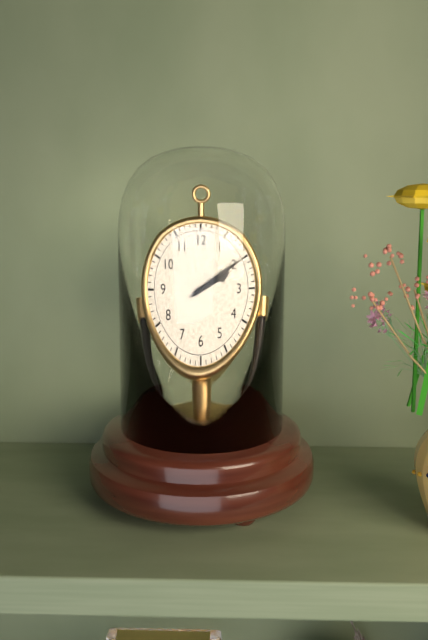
**2:10**
